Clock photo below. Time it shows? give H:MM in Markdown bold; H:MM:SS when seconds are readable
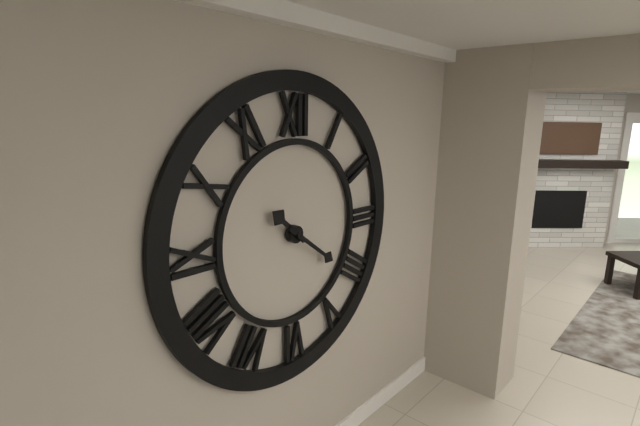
**10:21**
